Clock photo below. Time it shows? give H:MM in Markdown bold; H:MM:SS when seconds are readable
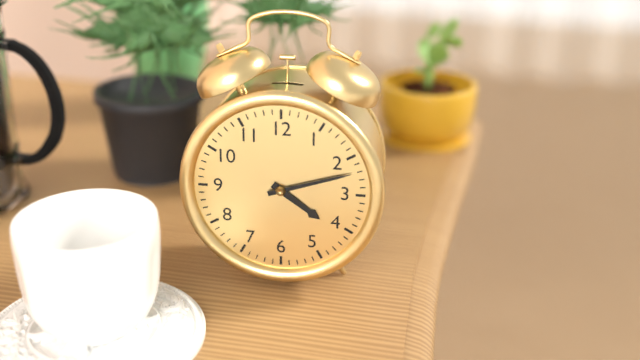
**4:12**
